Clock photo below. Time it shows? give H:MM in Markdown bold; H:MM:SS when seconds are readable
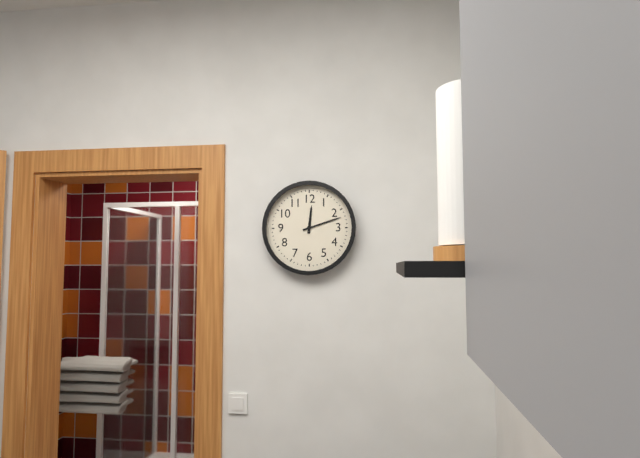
**12:12**
